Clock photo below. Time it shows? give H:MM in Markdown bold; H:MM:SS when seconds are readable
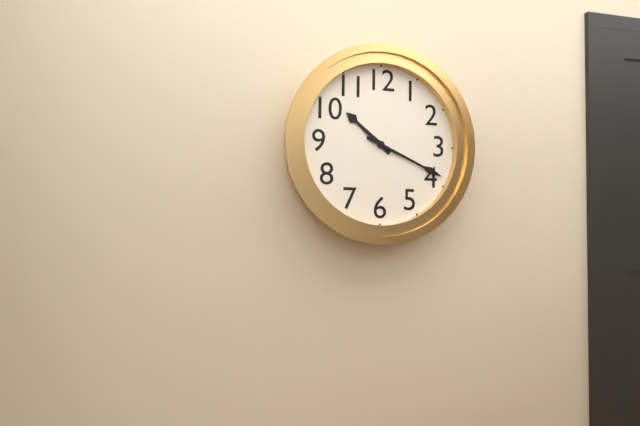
**10:19**
